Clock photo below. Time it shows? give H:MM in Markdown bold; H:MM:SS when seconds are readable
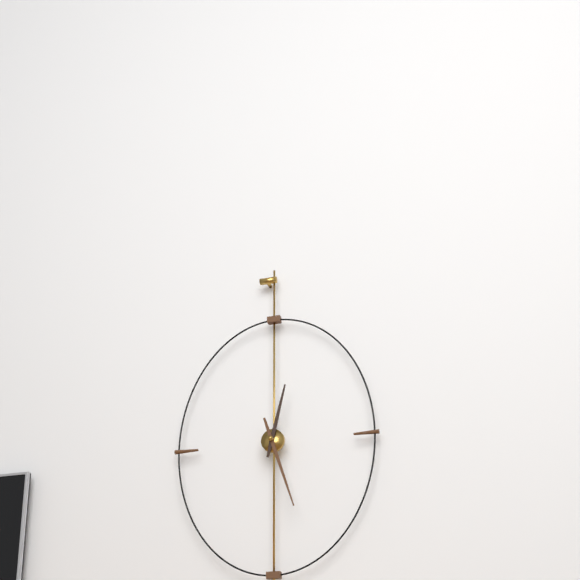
**12:27**
